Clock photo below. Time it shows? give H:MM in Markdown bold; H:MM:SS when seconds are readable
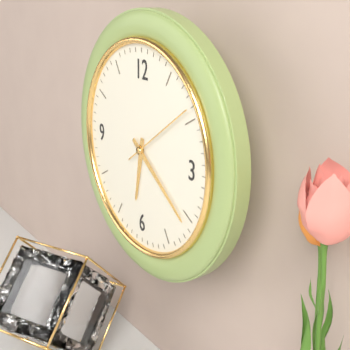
**6:21:09**
